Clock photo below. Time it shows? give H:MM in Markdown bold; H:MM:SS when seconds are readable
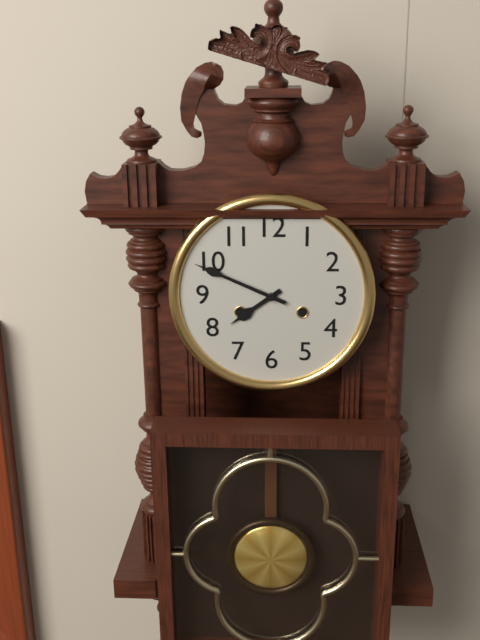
**7:49**
